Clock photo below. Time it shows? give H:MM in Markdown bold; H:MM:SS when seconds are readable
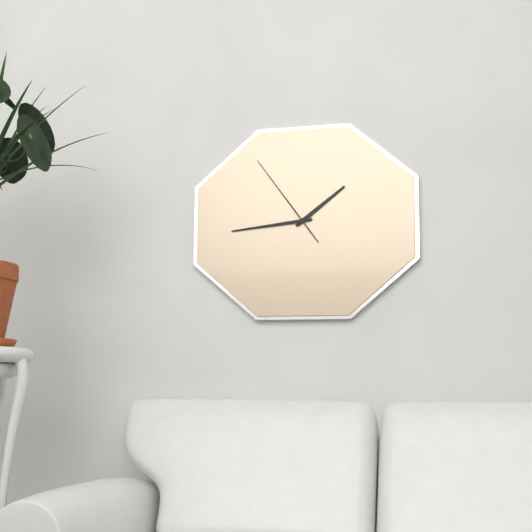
**1:44:54**
